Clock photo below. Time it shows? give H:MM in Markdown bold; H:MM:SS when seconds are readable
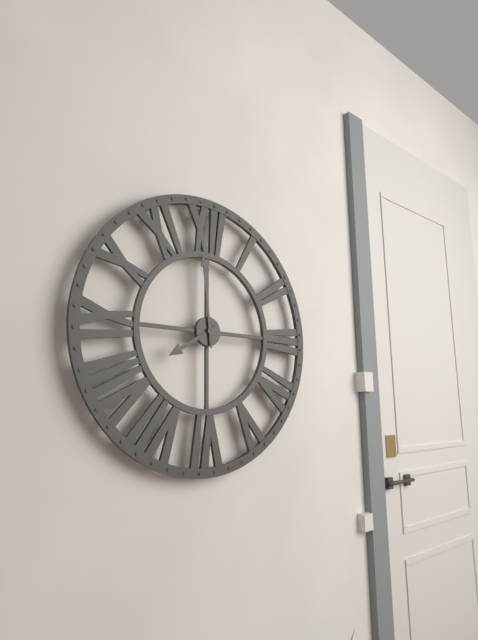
**7:59**
